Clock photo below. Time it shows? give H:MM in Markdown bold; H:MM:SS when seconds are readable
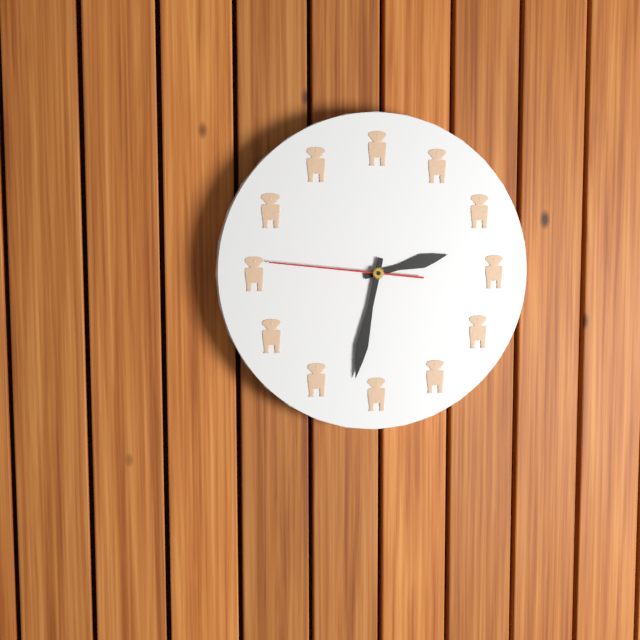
**2:32:46**
